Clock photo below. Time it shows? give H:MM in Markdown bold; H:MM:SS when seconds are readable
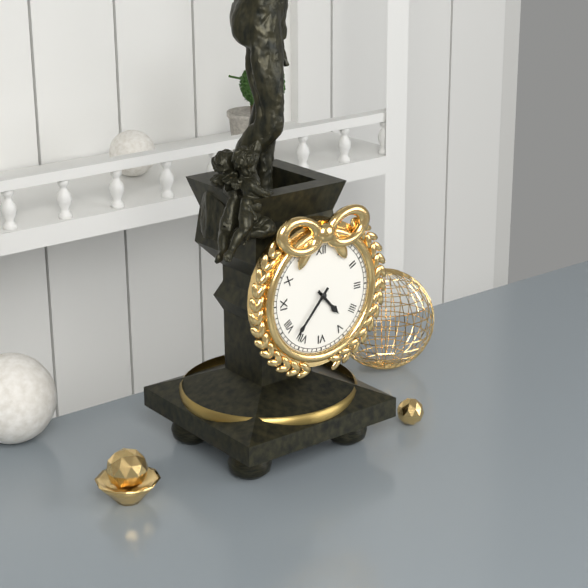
**4:37**
